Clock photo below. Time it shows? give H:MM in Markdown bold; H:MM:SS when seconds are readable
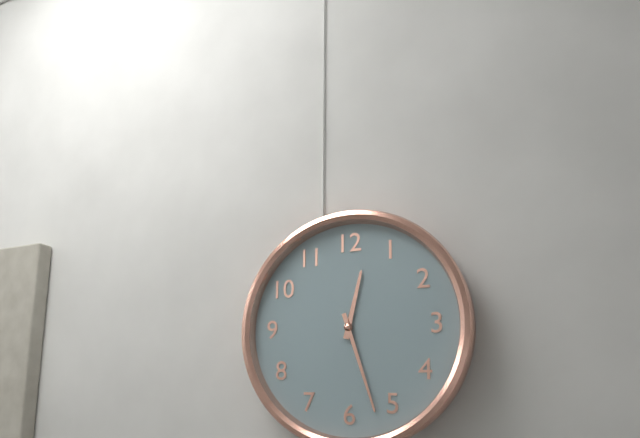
**12:27**
